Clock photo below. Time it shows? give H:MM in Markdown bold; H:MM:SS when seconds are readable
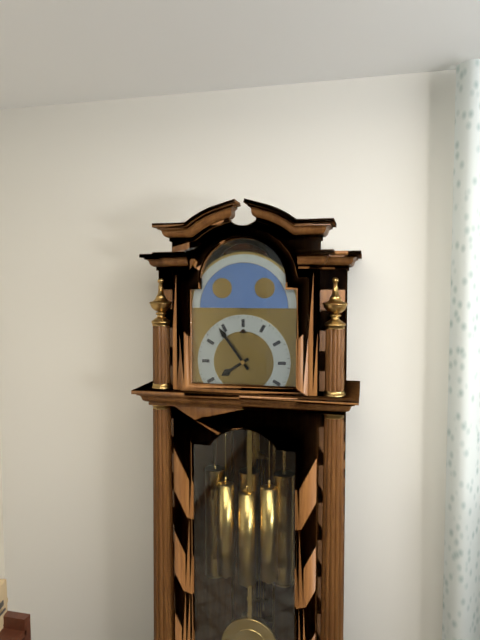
**7:54**
